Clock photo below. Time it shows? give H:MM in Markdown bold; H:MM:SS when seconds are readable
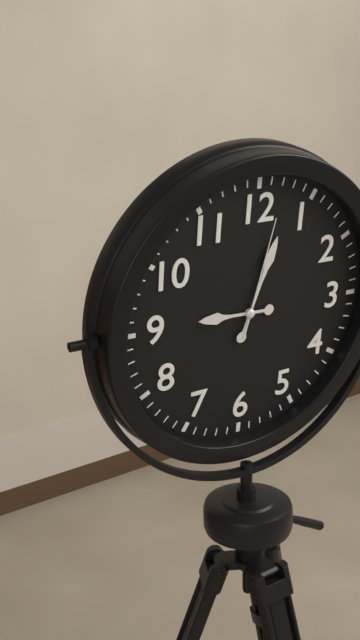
**9:03:02**
